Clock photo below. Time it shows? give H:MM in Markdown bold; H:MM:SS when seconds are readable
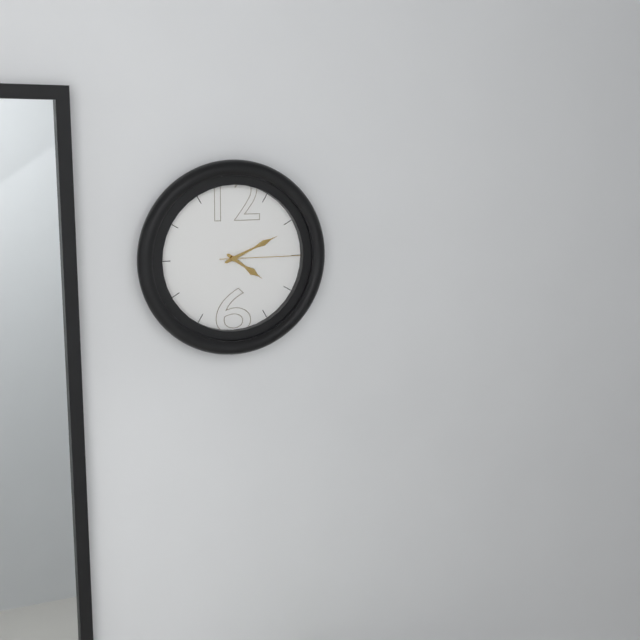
**4:11:15**
